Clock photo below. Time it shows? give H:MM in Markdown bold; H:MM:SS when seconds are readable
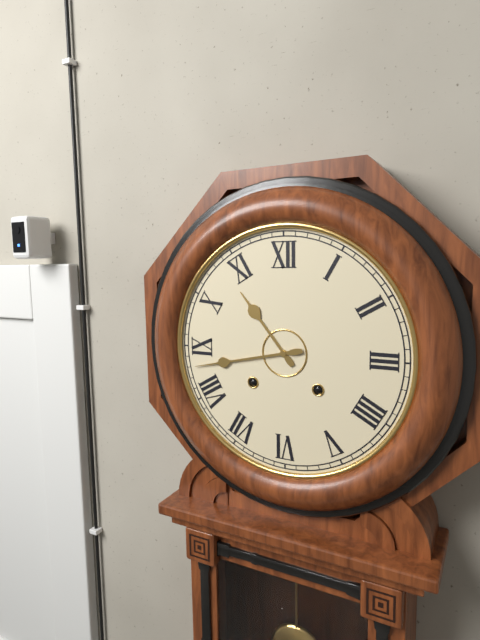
**10:43**
